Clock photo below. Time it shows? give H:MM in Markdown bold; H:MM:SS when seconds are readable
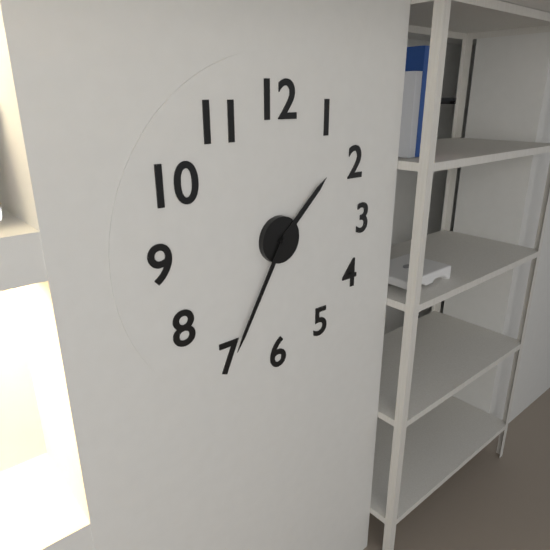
**1:35**
